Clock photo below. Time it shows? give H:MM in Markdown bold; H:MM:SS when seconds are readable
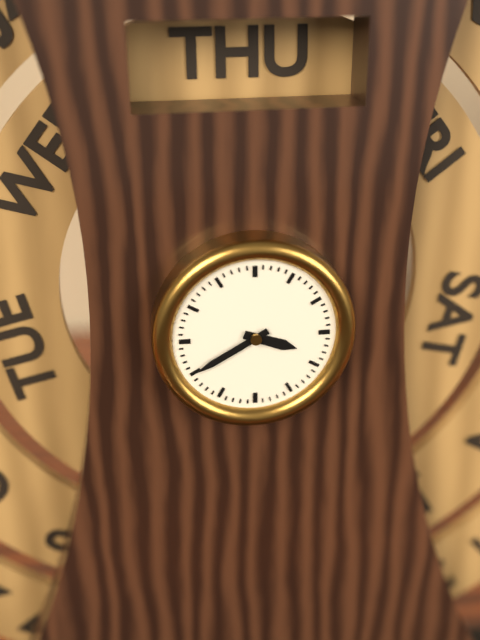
**3:40**
